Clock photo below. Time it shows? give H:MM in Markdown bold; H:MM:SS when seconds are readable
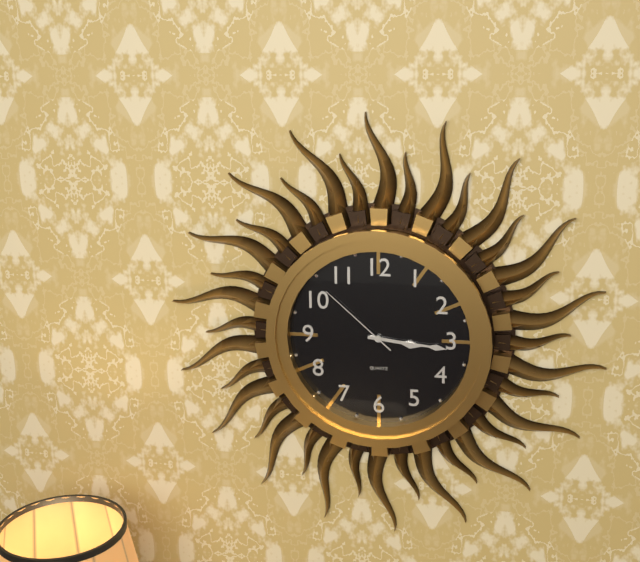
**3:16:52**
